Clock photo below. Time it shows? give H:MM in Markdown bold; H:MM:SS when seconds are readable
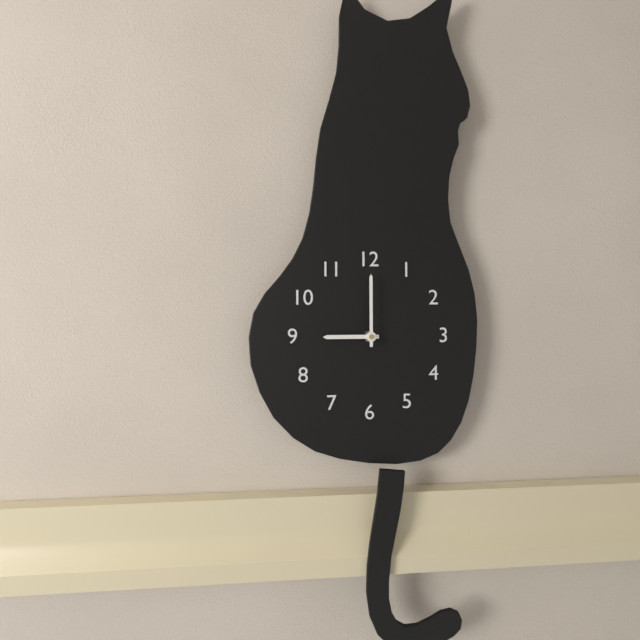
**9:00**
